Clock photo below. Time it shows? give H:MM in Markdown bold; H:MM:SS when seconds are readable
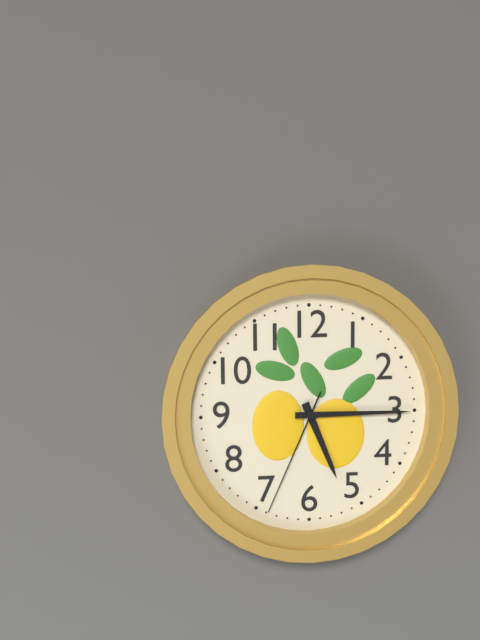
**5:15:34**
